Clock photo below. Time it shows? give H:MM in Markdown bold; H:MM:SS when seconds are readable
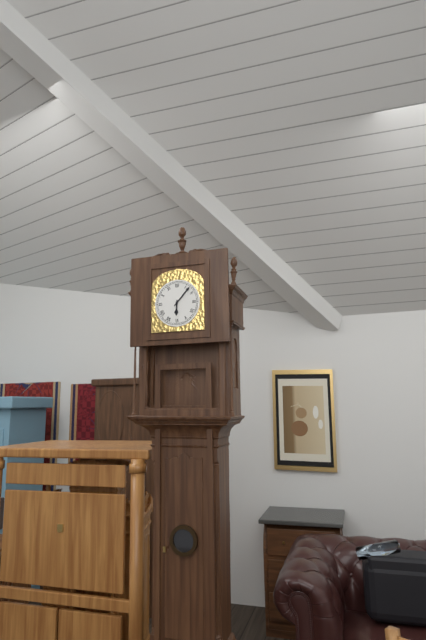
**6:07**
